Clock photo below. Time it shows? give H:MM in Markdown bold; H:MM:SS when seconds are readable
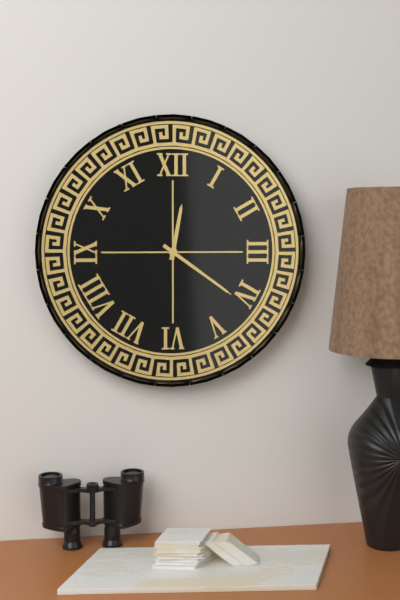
**12:21**
